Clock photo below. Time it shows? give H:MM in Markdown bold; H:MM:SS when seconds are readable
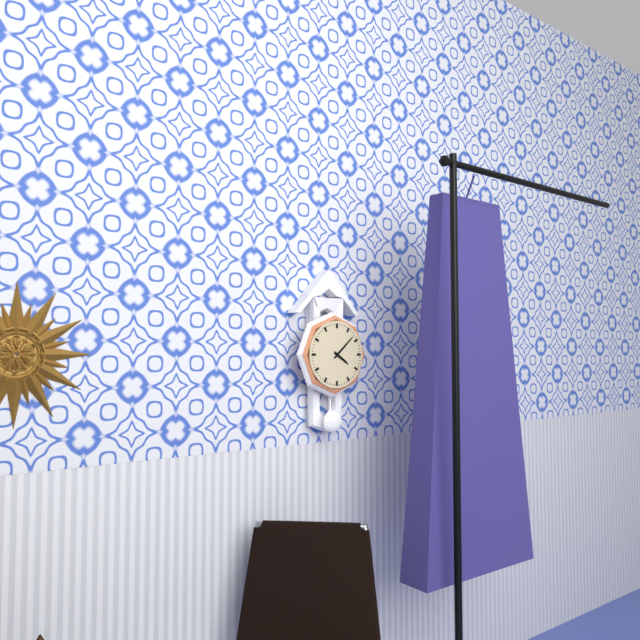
**4:08**
